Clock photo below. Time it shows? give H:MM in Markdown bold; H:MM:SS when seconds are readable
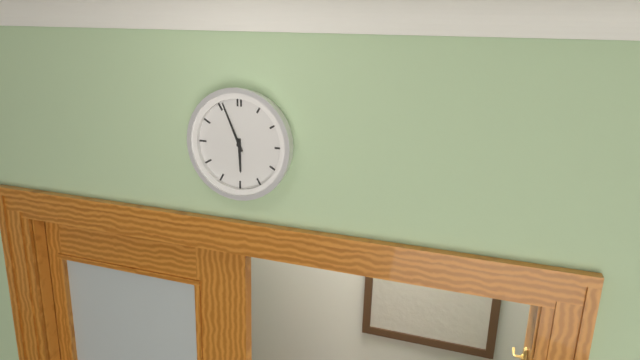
**5:56**
